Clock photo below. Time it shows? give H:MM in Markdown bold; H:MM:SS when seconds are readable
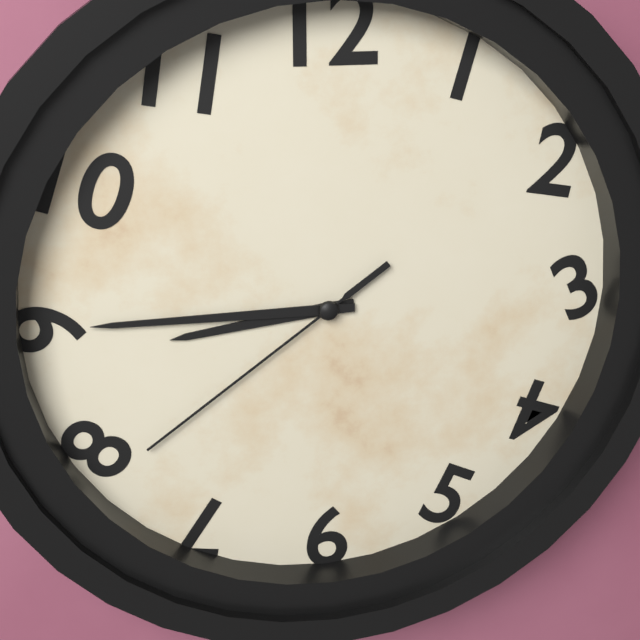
**8:45:39**
